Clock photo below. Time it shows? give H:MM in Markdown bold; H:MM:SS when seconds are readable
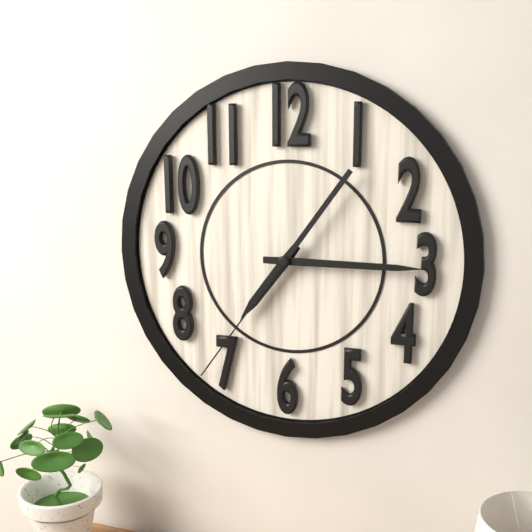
**7:15:36**
